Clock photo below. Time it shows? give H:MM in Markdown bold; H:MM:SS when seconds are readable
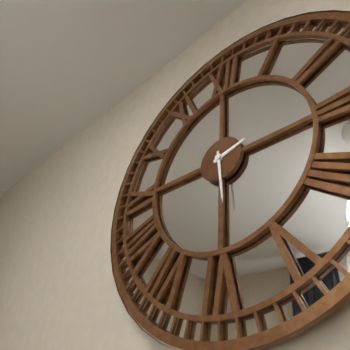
**2:29**
